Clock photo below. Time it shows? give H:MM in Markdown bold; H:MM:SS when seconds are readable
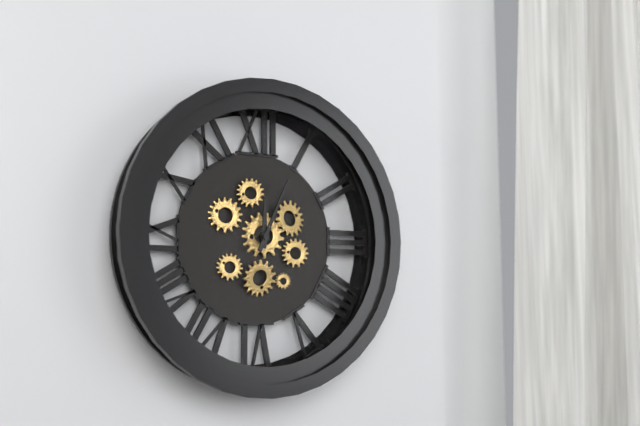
**12:04**
